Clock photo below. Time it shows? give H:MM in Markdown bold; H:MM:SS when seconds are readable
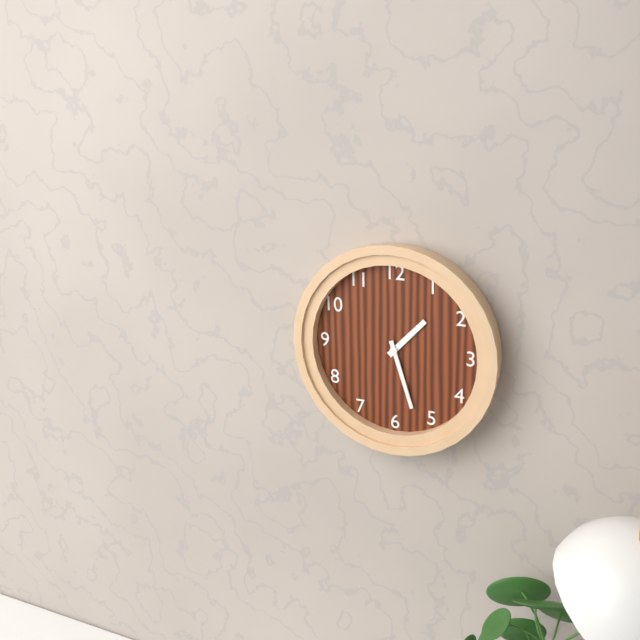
**1:27**
